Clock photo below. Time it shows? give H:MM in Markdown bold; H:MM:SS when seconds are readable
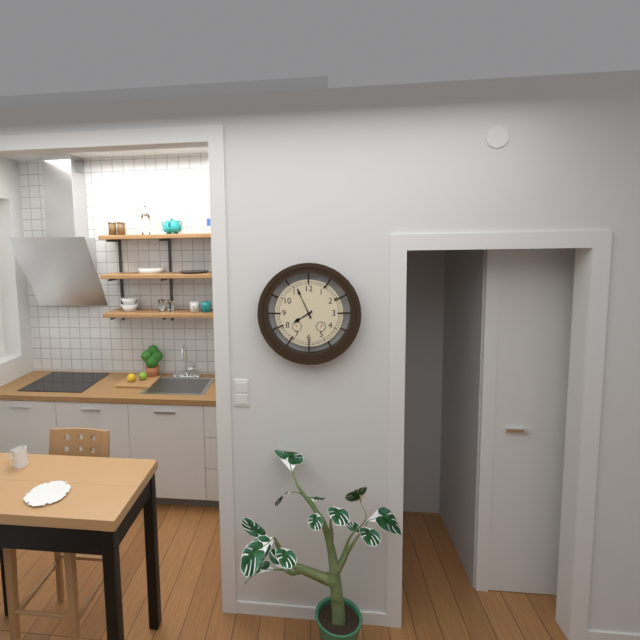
**7:56**
